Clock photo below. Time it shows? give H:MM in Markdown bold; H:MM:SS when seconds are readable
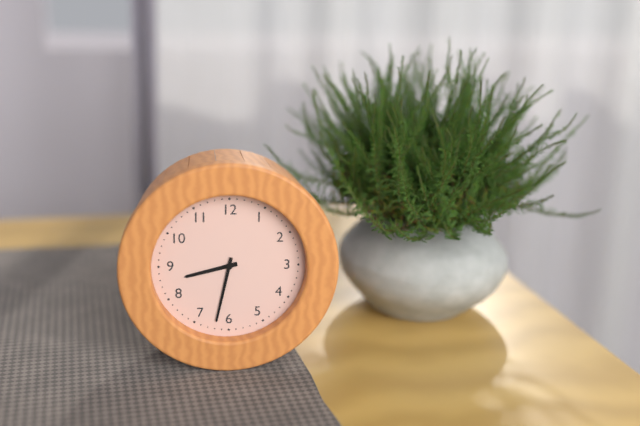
**8:32**
